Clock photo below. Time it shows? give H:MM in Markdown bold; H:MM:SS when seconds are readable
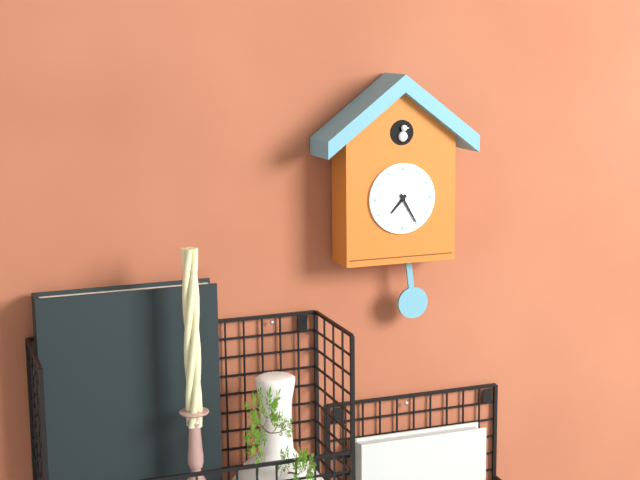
**7:25**
